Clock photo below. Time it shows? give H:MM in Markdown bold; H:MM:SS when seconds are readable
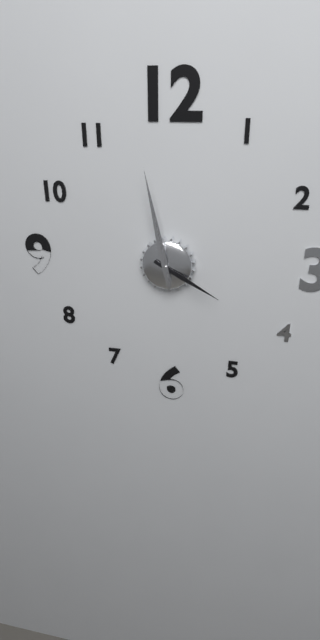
**3:58:58**
